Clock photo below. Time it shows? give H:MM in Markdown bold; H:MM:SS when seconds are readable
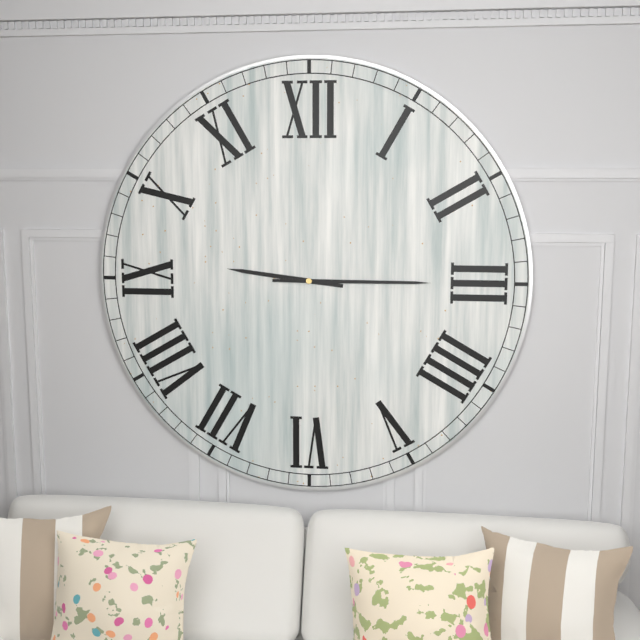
**9:15**
